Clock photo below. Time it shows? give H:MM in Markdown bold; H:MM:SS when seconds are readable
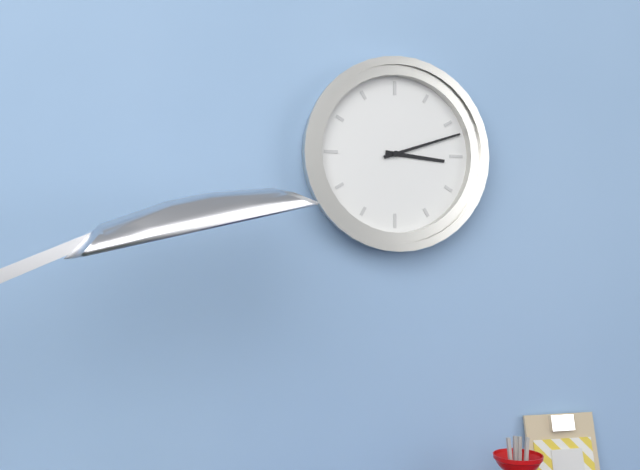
**3:12**
